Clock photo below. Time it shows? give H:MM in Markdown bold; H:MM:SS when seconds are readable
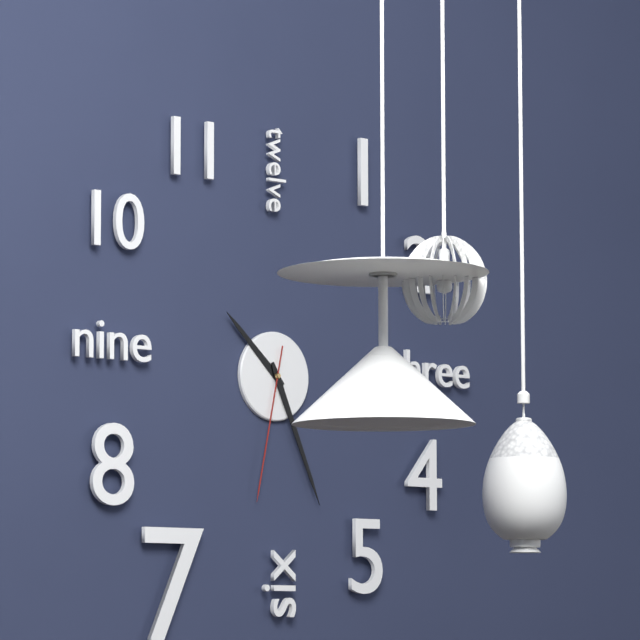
**10:26:32**
